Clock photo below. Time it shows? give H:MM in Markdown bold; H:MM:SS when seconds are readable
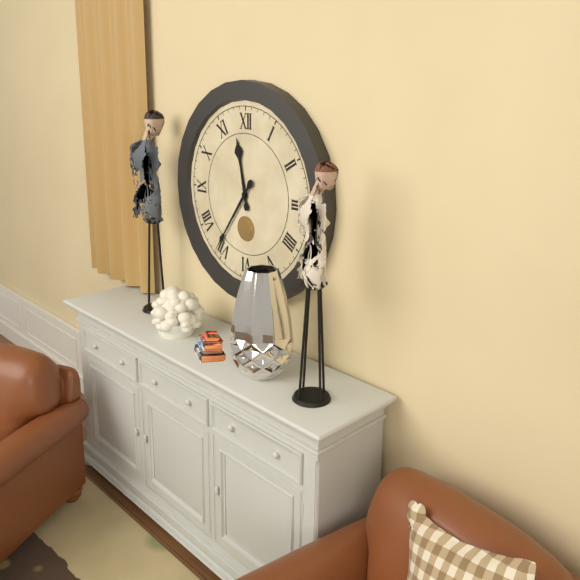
**11:36**
